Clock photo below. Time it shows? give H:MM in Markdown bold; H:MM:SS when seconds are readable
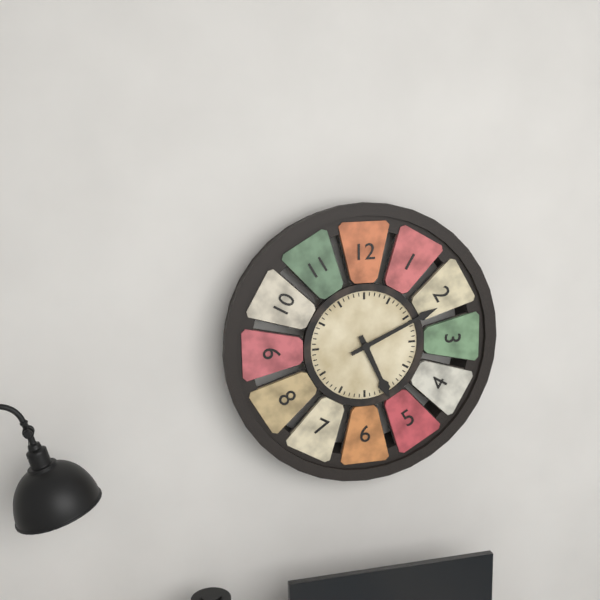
**5:11**
